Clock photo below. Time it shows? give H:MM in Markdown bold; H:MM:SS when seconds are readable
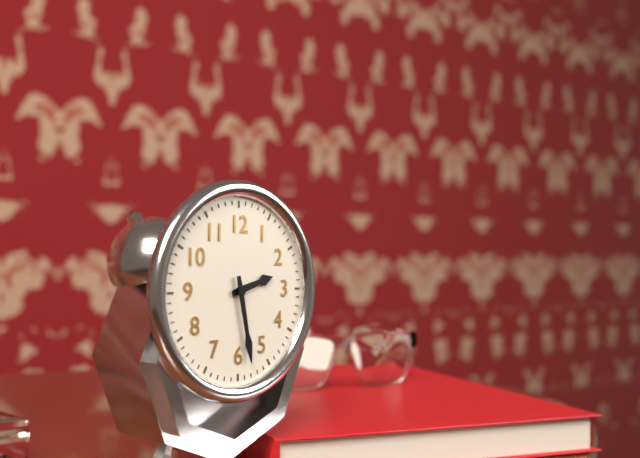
**2:28**
